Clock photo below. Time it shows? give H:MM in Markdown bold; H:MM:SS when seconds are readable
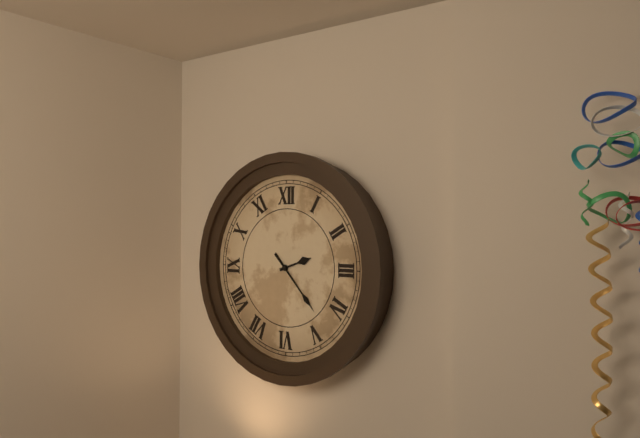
**2:23**
